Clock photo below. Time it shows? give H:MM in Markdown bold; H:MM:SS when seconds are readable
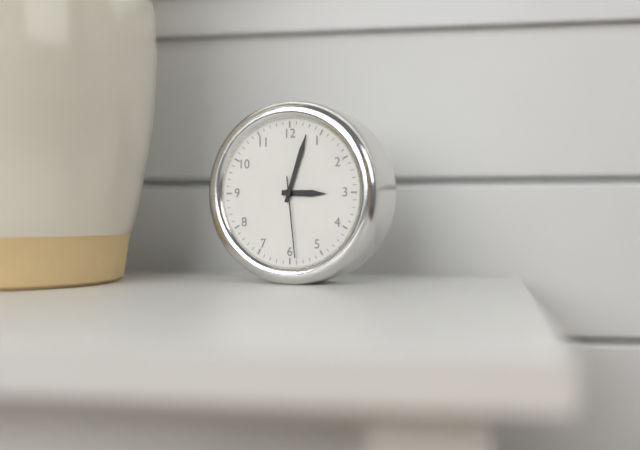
**3:03:29**
